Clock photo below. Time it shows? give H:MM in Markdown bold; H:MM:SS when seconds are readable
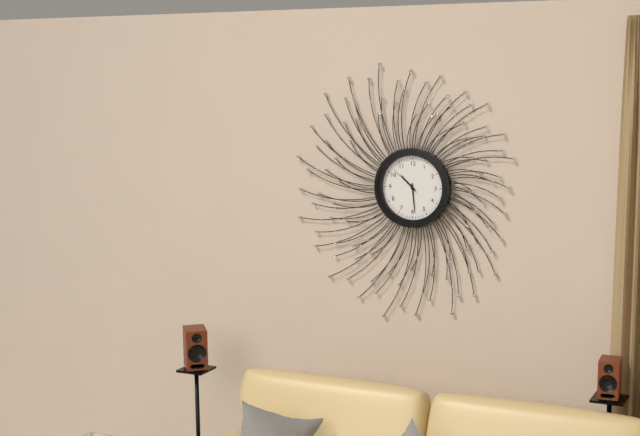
**10:29**
